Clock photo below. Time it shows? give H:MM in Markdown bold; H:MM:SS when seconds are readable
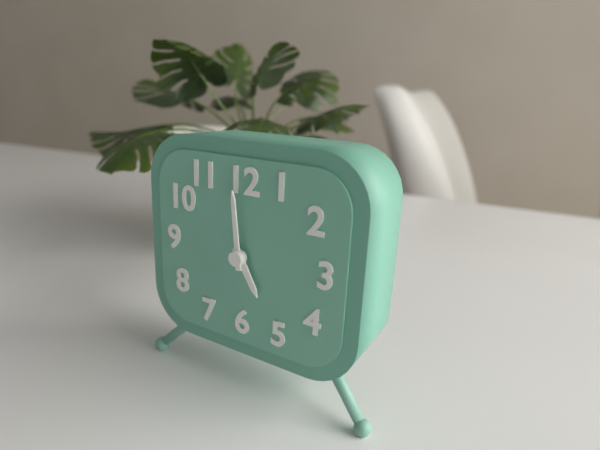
**4:59**
